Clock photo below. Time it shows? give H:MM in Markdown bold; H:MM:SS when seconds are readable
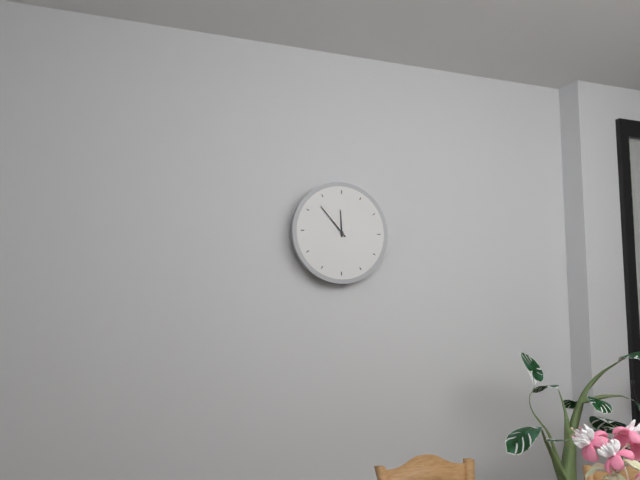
**11:53**
